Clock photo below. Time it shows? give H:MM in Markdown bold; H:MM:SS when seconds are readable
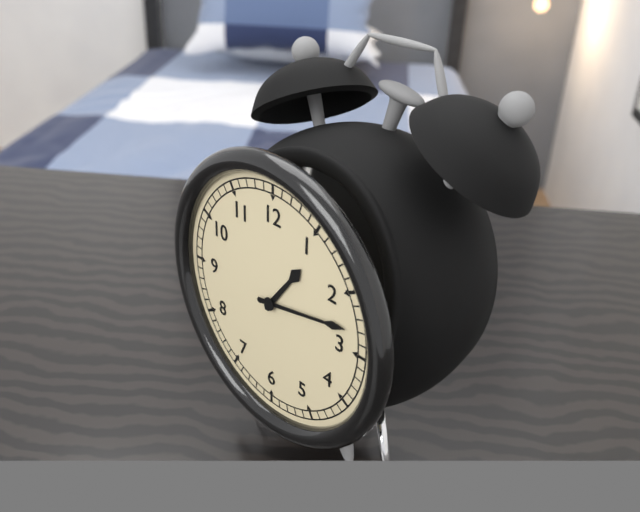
**1:13**
